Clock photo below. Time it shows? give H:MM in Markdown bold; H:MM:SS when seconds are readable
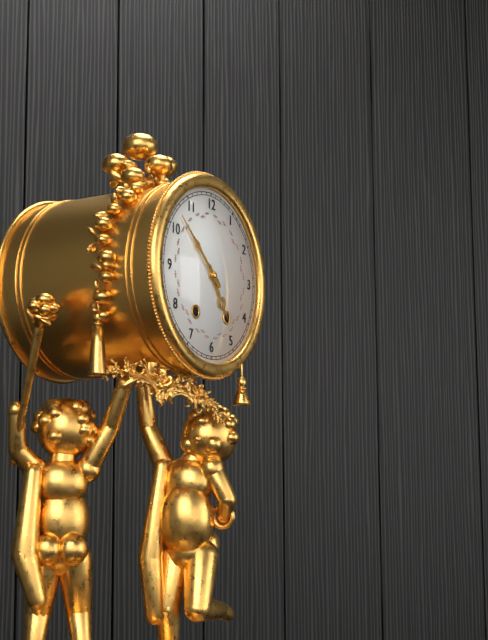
**4:52**
